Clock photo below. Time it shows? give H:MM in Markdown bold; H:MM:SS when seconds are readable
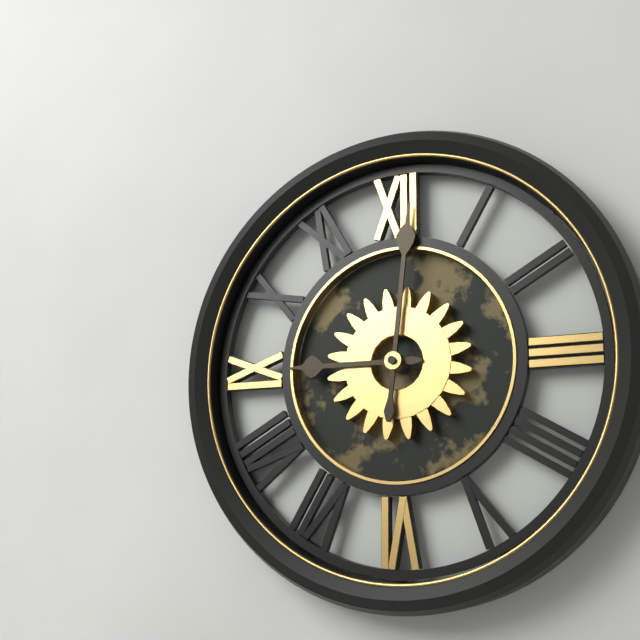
**9:01**
